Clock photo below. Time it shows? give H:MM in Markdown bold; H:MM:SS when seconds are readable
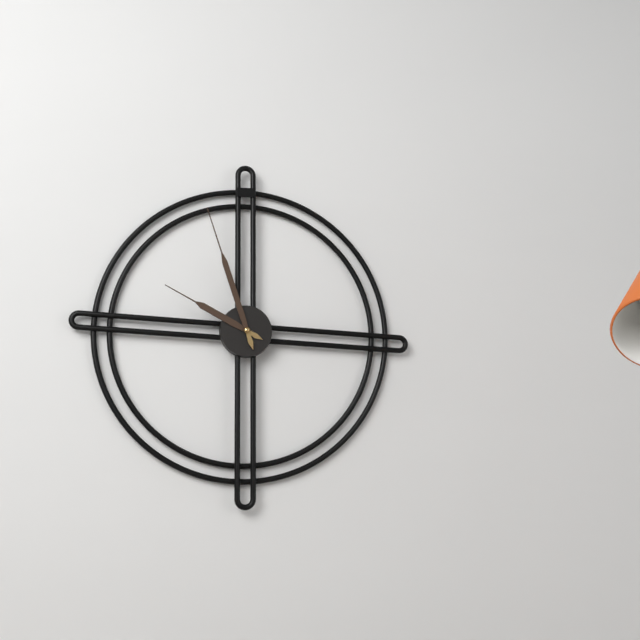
**9:57**
